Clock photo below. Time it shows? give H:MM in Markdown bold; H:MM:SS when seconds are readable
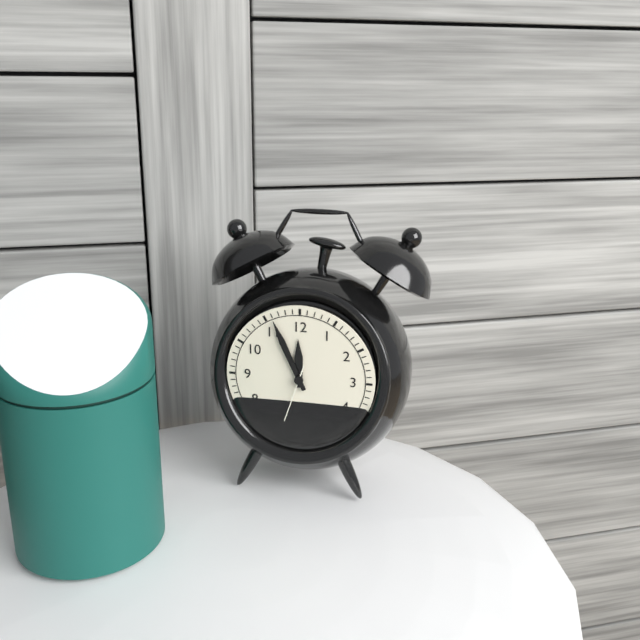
**11:56:33**
